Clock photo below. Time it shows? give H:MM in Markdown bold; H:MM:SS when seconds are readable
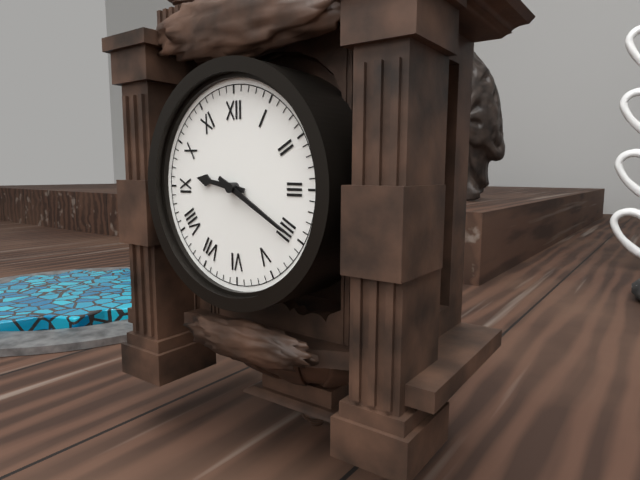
**9:20**
